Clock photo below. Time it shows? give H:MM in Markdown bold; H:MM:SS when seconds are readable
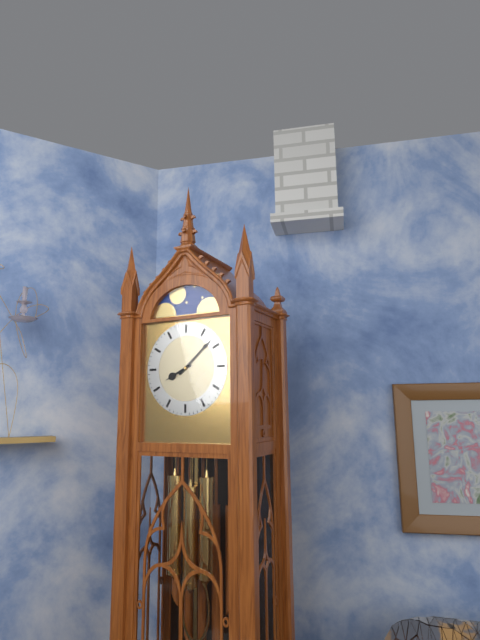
**8:08**
